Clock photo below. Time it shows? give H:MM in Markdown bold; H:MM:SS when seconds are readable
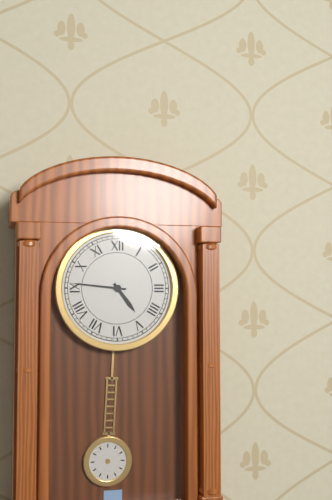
**4:46**
